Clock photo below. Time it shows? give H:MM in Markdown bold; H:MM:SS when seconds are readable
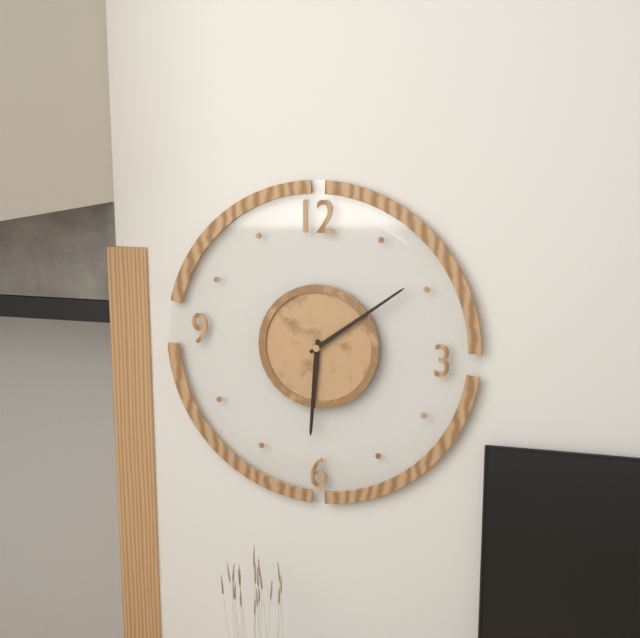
**6:09**
